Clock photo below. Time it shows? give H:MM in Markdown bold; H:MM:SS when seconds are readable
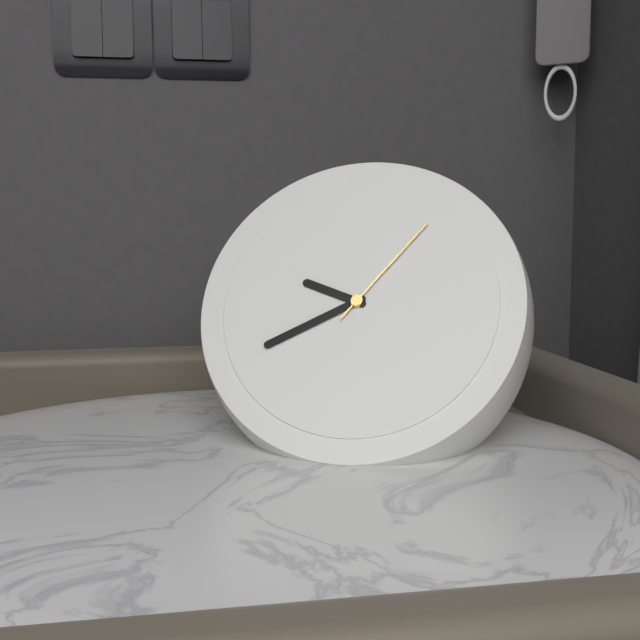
**9:40:06**
